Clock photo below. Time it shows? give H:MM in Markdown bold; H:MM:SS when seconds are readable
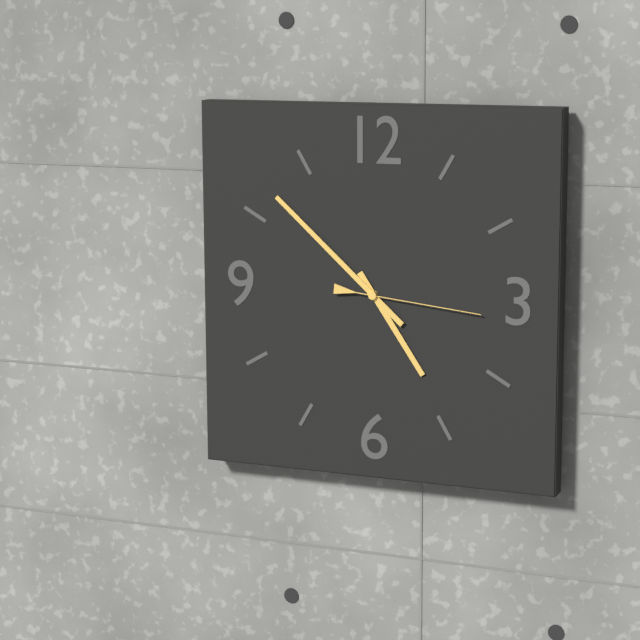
**4:52:16**
